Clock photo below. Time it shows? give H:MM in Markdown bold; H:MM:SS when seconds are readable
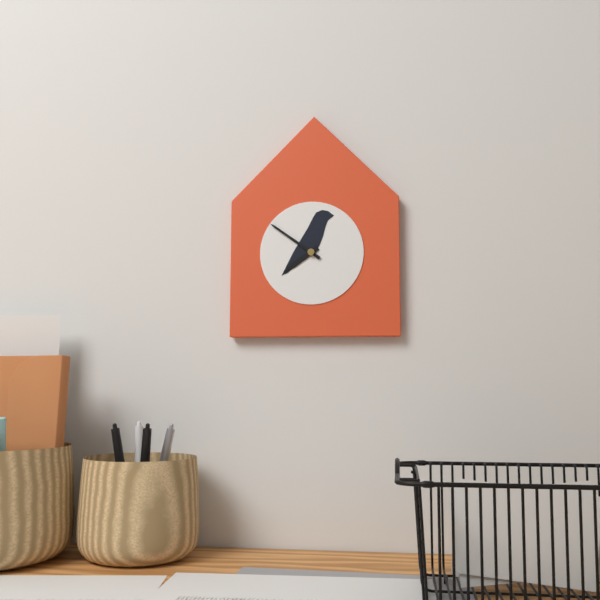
**7:51**
